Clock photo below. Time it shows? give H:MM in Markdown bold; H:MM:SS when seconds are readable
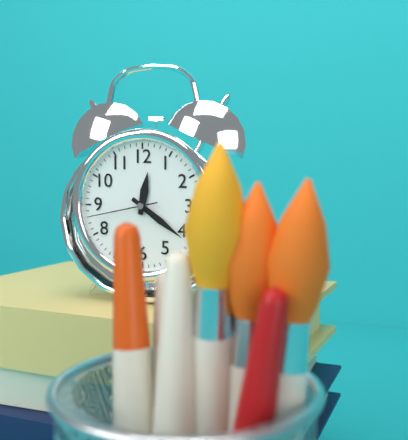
**12:21:43**
